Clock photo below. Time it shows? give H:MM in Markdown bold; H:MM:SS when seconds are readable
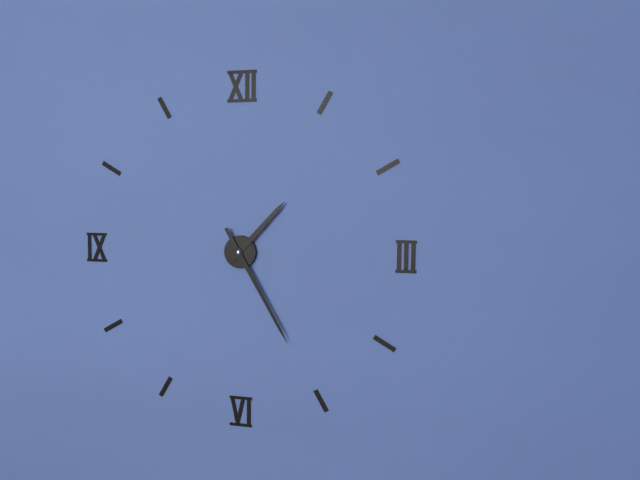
**1:25**
